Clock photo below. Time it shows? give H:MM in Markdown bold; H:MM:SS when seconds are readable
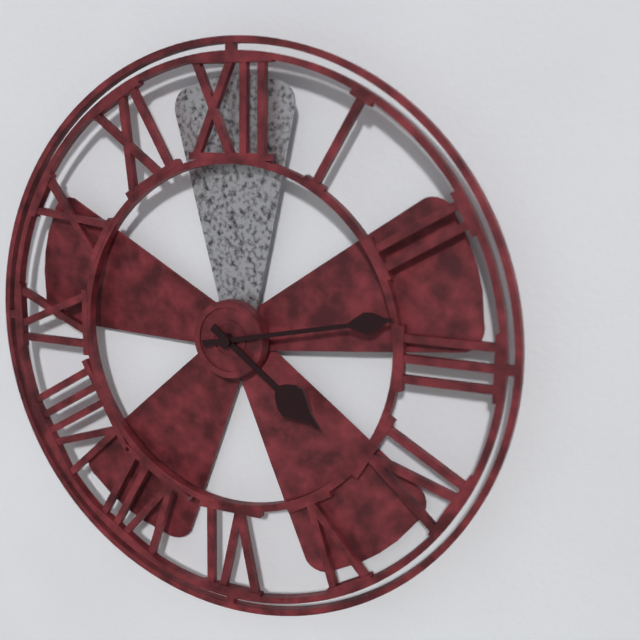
**4:13**
